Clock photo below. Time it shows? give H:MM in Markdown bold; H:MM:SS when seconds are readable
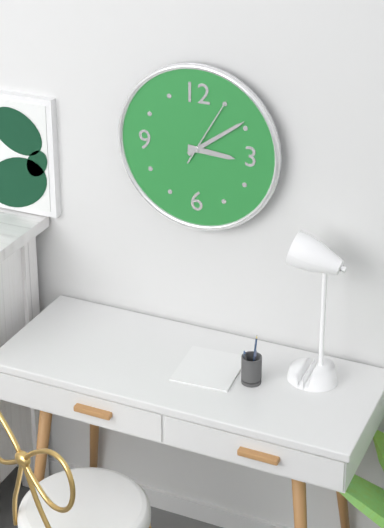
**3:09:05**
